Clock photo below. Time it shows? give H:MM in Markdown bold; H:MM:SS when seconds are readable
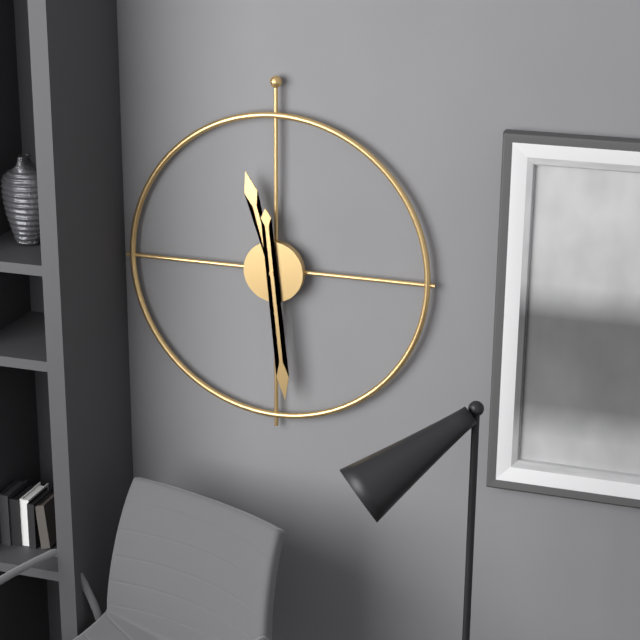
**11:29**
